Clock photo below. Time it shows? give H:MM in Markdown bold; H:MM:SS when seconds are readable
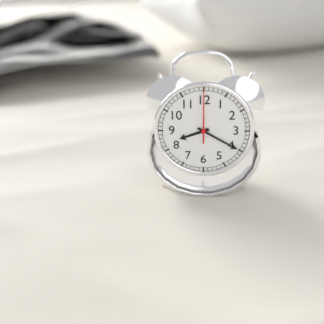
**8:20:00**
